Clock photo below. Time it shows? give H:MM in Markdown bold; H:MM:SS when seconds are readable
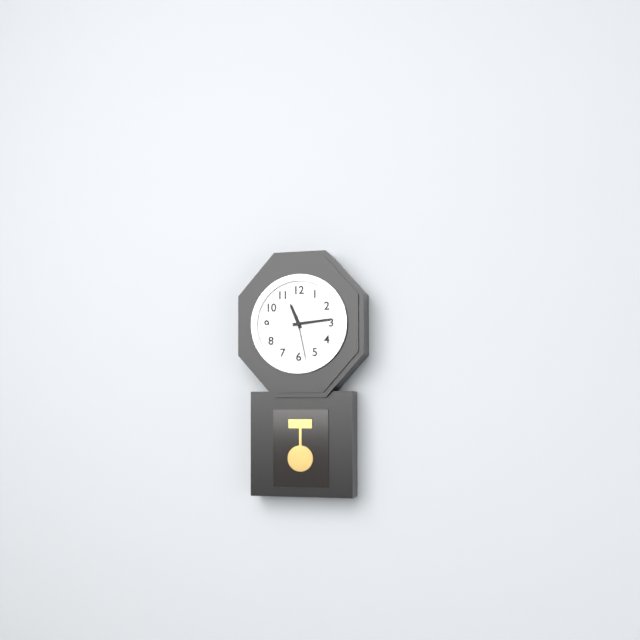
**11:14**
